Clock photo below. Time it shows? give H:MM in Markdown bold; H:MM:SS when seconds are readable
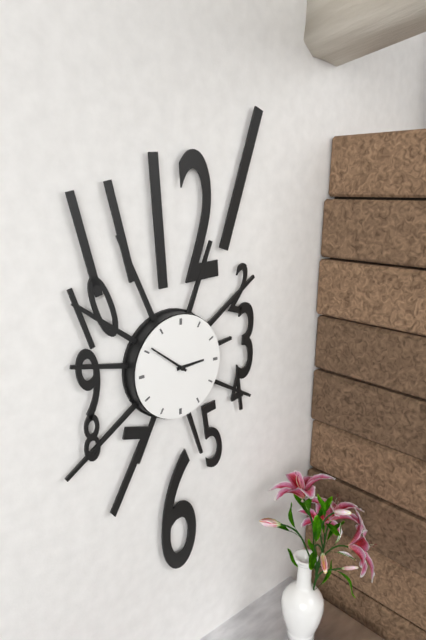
**2:51**
